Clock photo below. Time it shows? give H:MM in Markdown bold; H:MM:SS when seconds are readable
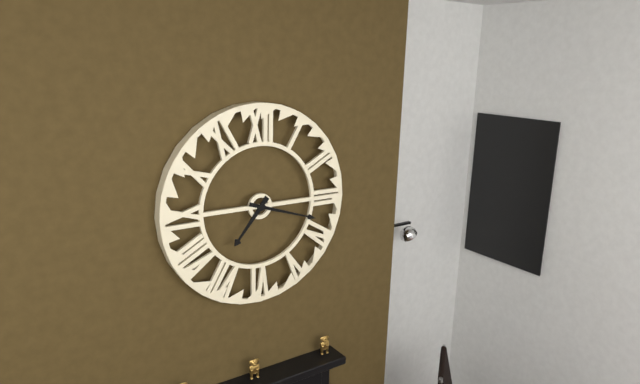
**7:18**
